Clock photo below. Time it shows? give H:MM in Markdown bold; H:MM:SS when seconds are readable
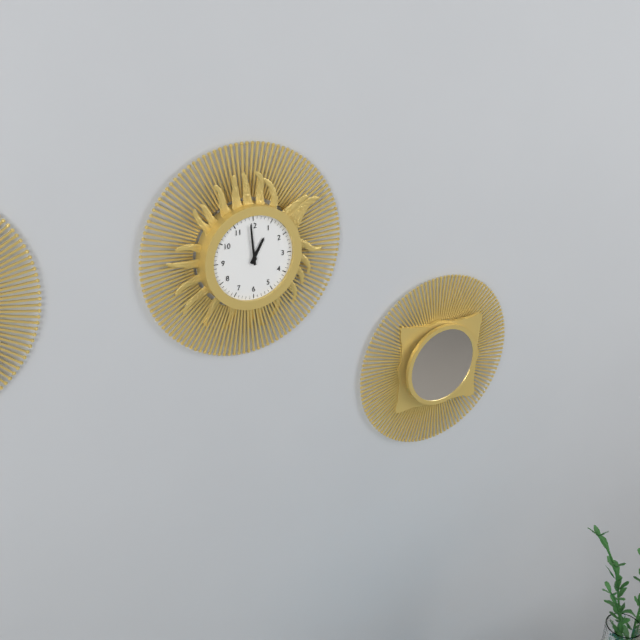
**12:59**
